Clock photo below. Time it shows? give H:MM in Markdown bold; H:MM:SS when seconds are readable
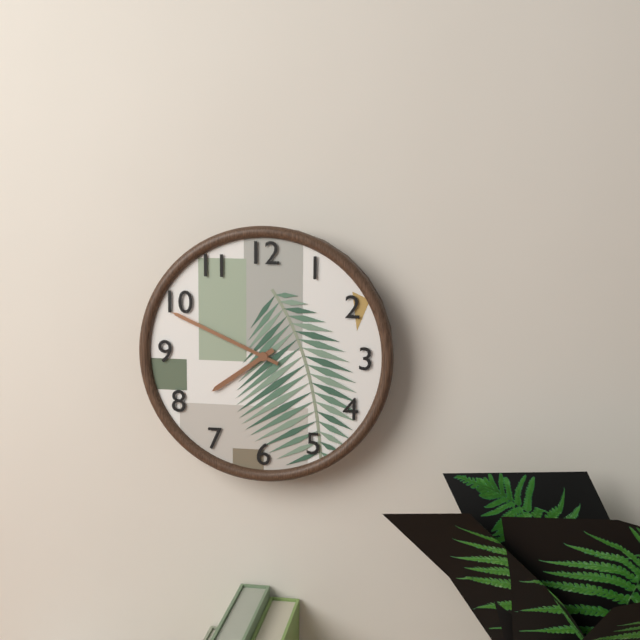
**7:49**
